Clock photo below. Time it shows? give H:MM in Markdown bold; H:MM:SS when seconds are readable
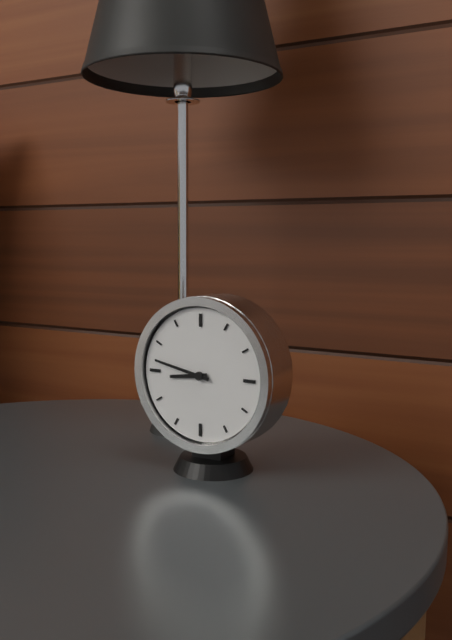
**8:47**
